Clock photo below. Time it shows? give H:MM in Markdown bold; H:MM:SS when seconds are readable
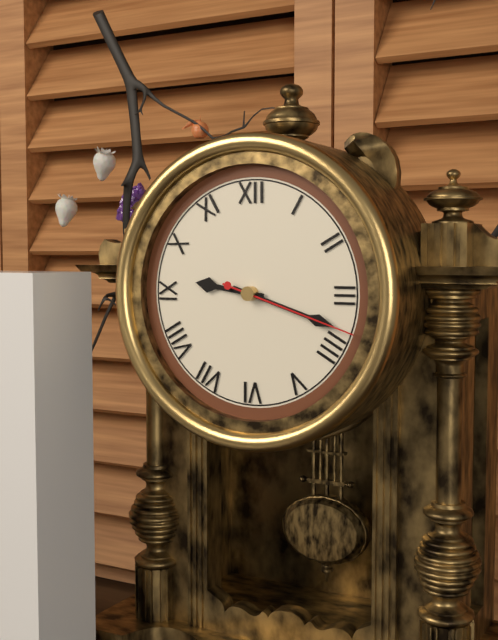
**9:18:18**
